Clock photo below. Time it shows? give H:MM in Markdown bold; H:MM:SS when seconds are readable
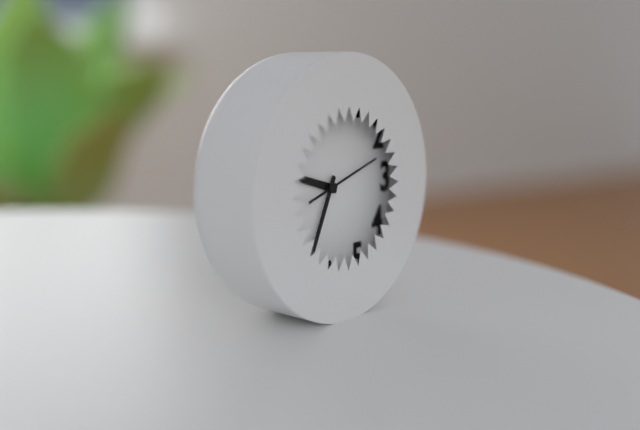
**9:34:12**
